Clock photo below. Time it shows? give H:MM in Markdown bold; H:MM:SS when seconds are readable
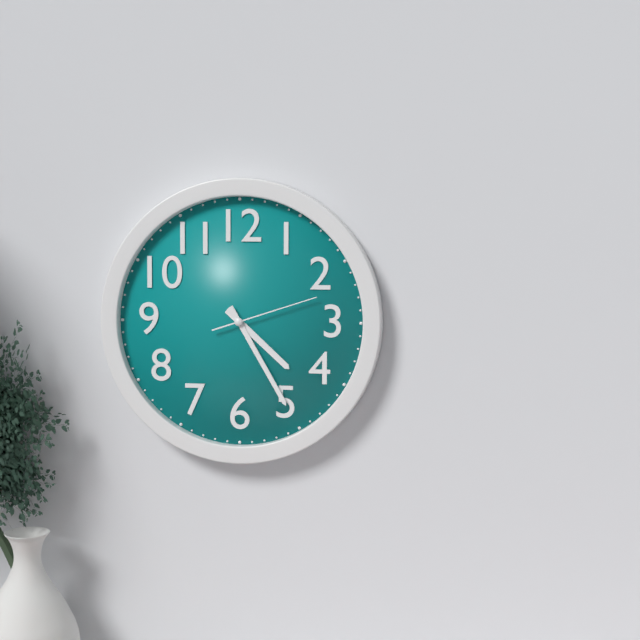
**4:25:12**
